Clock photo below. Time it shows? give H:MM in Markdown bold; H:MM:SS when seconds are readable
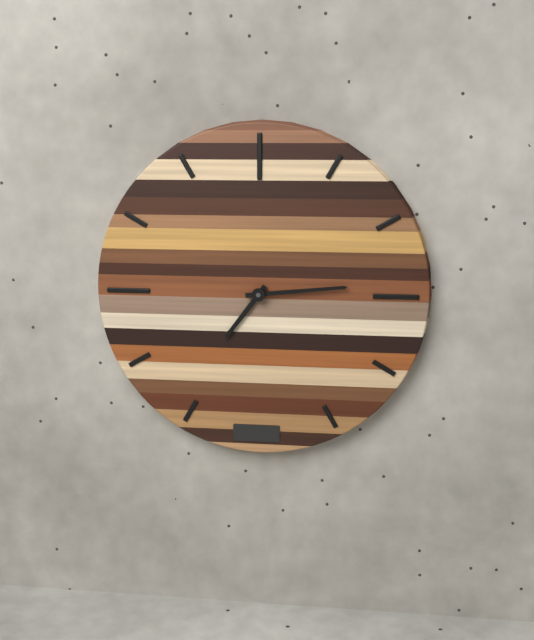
**7:14**
